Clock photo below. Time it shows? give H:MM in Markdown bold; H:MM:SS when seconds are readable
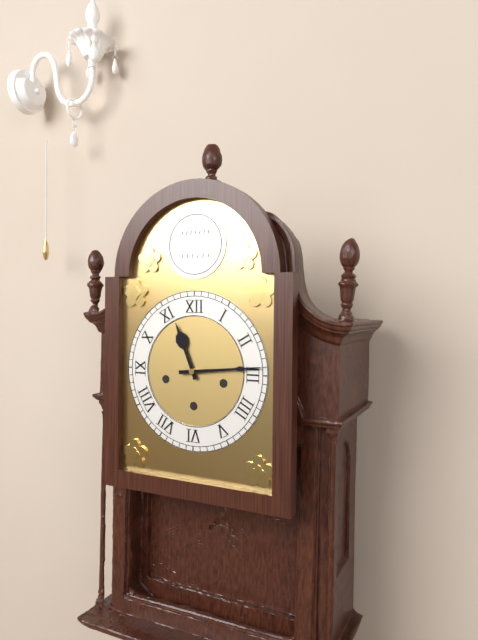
**11:14**
